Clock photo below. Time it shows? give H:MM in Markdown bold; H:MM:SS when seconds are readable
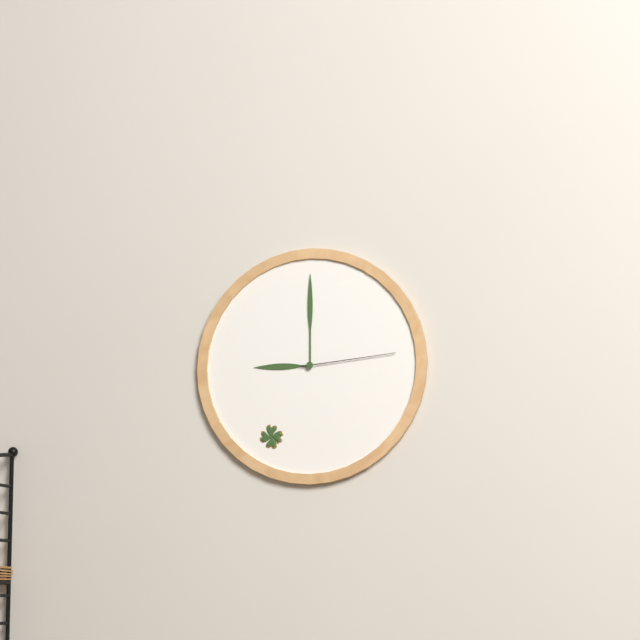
**9:00:14**
